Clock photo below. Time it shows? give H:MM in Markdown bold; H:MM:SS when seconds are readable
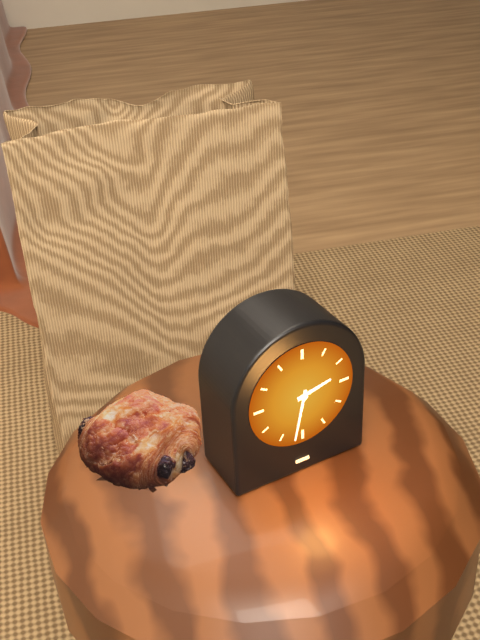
**2:32**
